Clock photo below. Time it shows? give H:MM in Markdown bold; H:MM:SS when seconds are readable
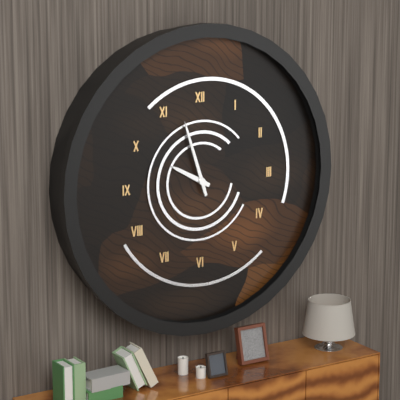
**9:57**
